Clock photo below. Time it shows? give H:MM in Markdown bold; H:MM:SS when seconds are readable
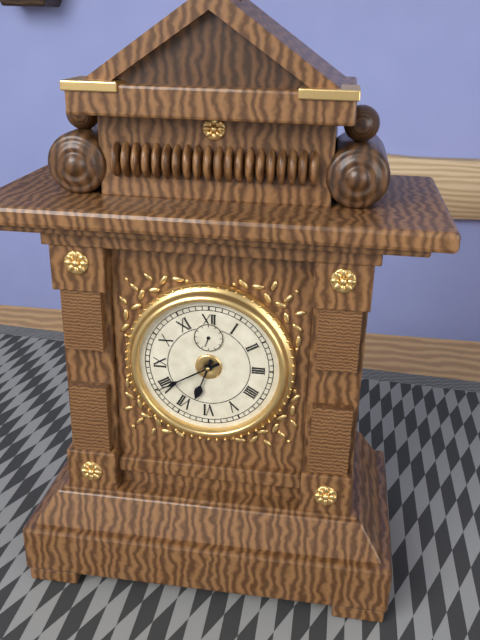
**6:40**
